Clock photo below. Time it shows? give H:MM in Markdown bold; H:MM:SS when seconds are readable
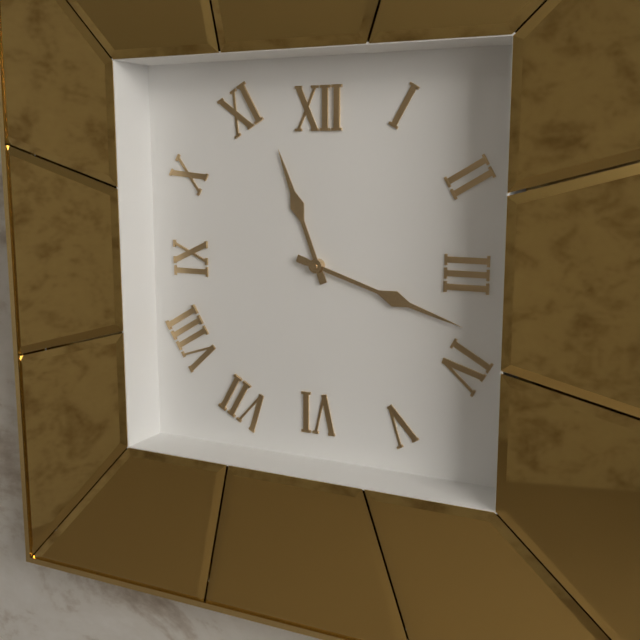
**11:18**
